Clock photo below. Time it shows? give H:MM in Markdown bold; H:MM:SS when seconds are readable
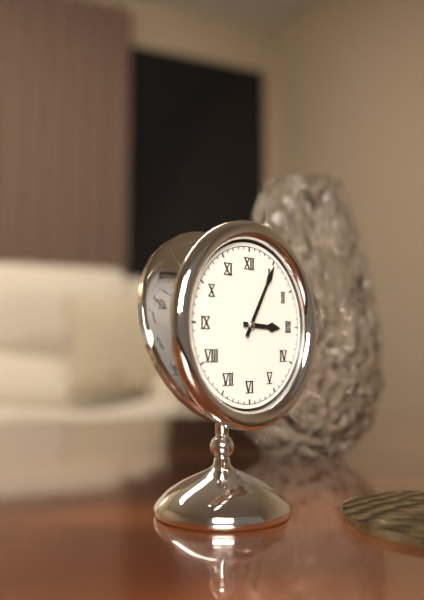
**3:05**
